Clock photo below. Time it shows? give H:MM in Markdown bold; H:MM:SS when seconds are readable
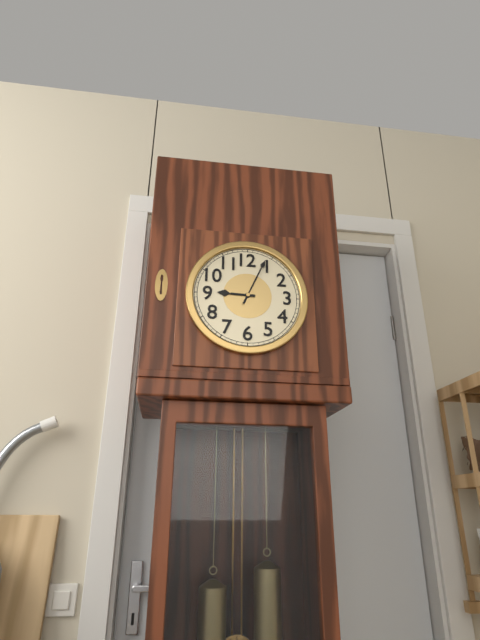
**9:04**
